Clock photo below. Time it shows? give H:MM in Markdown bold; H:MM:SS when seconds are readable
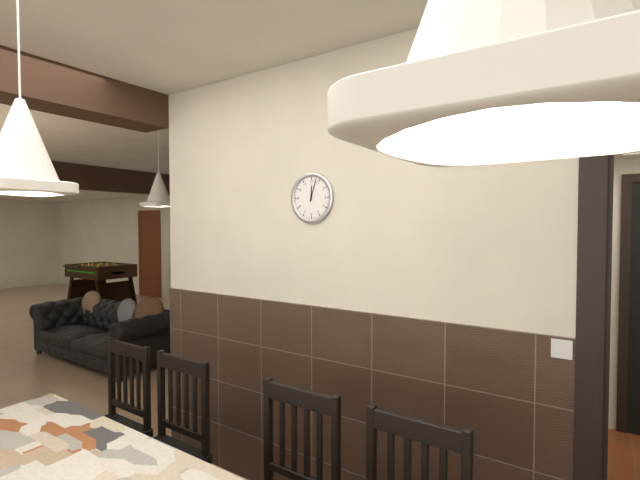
**12:03**
